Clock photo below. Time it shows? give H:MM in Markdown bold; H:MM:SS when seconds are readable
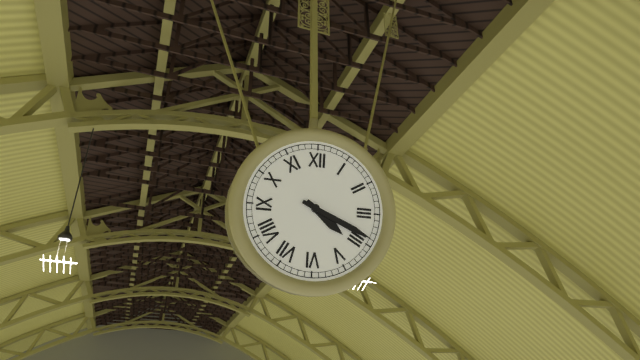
**4:19**
